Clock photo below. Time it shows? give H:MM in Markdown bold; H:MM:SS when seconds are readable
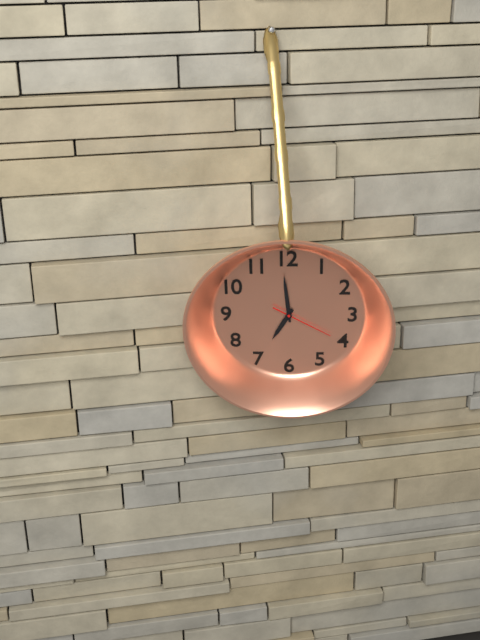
**6:59:20**
